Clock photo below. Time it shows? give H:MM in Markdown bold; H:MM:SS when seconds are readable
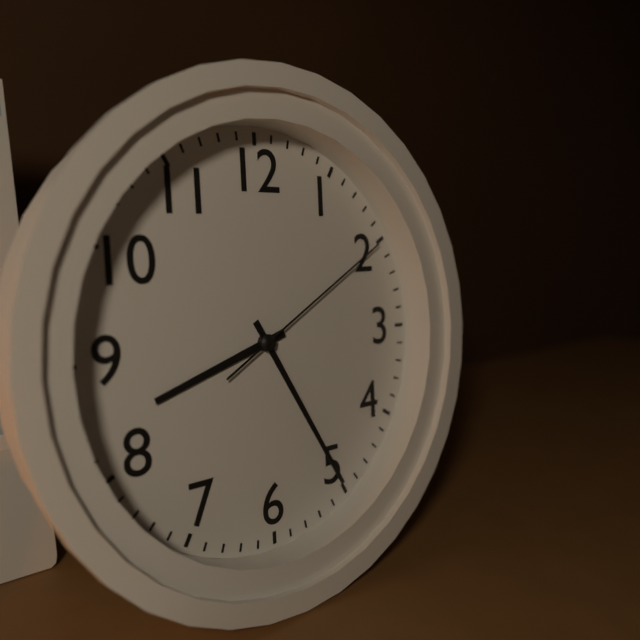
**8:25:10**
